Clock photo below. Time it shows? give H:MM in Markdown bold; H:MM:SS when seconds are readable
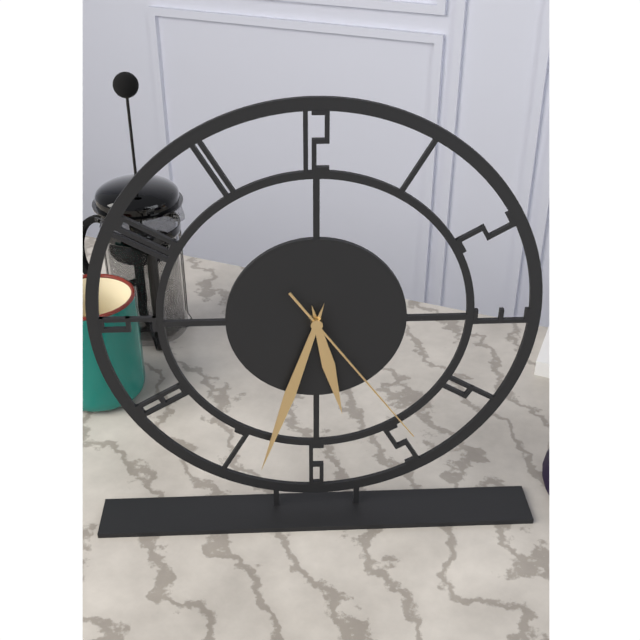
**5:33:24**
